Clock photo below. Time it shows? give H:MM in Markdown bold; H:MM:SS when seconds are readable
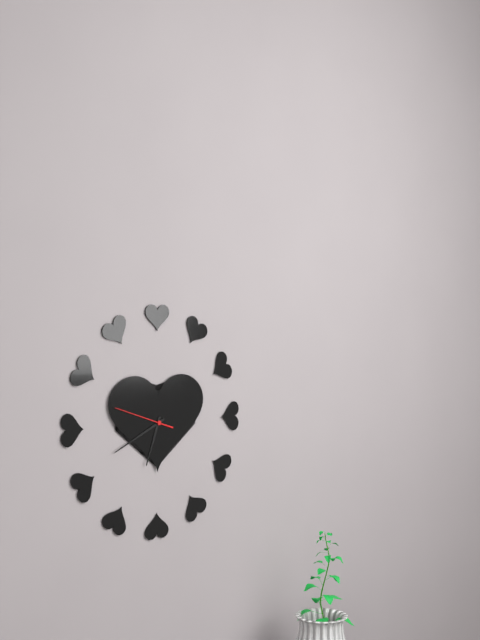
**6:41:48**
